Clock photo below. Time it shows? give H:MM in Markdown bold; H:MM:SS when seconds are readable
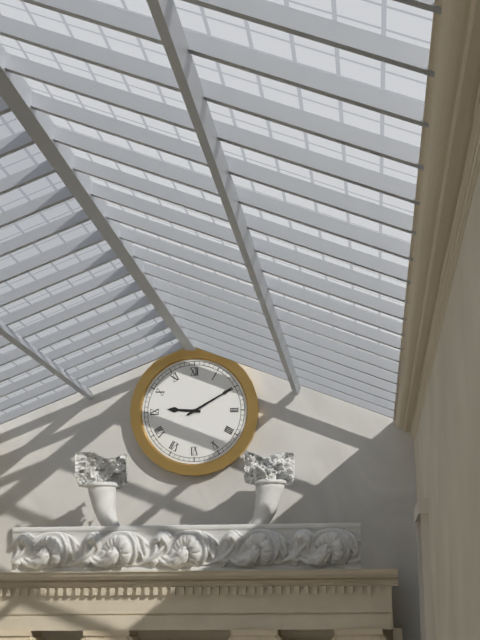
**9:10**
